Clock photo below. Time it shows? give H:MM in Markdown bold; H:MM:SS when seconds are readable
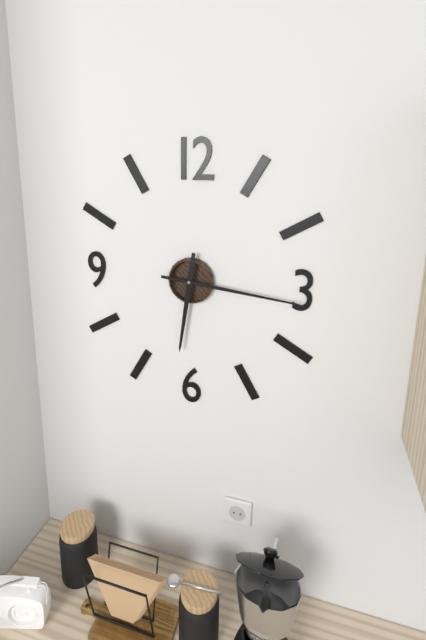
**6:16**
